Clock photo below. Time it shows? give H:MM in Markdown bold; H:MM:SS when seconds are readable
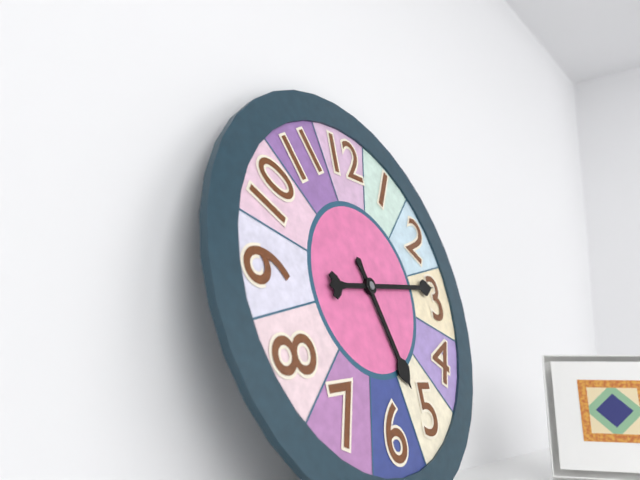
**5:14**
